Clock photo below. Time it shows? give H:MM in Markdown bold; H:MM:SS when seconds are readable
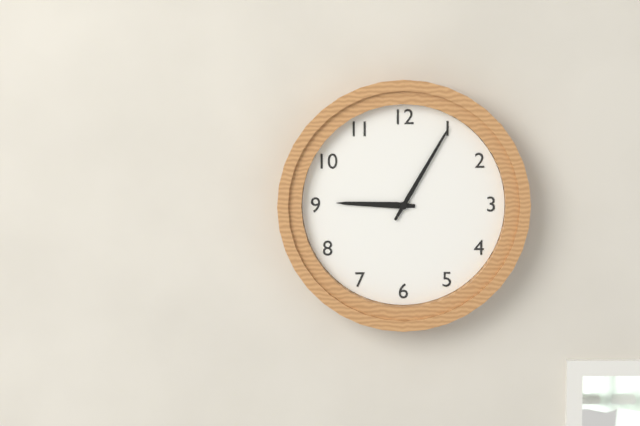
**9:05**
